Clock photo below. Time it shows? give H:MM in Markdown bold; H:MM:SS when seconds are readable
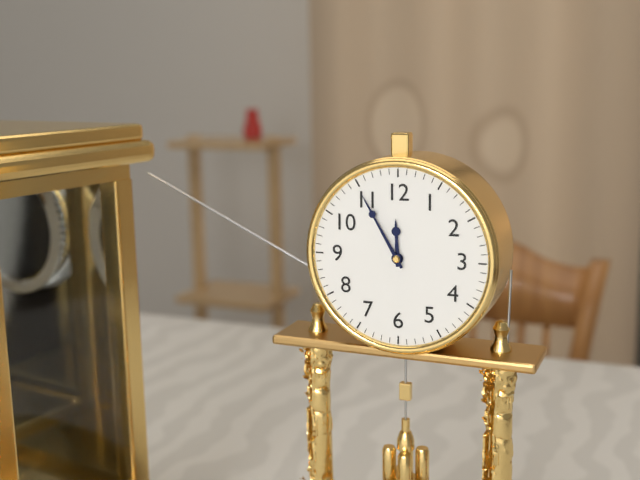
**11:55**
